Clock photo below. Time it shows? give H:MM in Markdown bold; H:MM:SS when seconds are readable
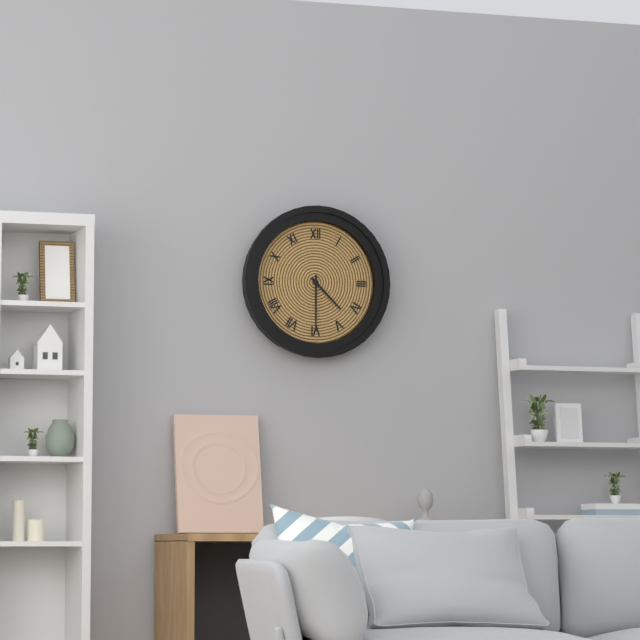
**4:30**
